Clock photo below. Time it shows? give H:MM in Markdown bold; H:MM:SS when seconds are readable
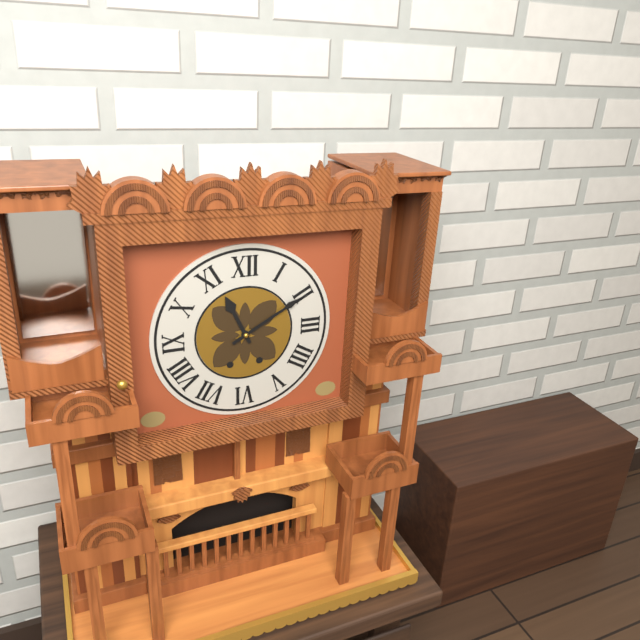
**11:10**
